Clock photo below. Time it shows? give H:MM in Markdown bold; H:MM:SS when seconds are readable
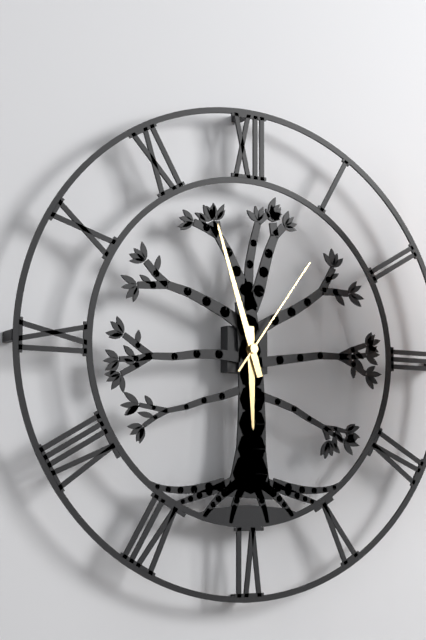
**5:57:06**
